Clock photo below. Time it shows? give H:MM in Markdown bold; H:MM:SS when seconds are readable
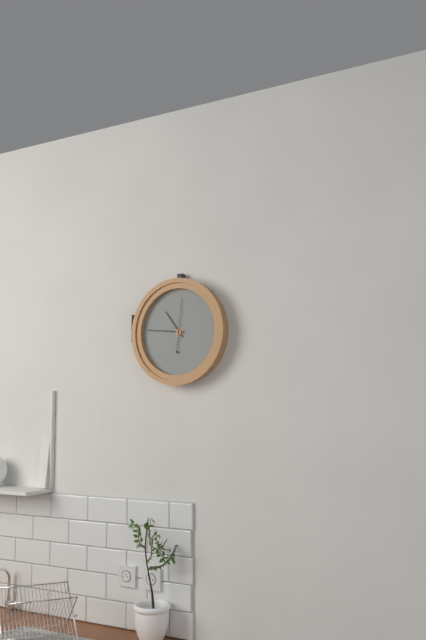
**10:46**
